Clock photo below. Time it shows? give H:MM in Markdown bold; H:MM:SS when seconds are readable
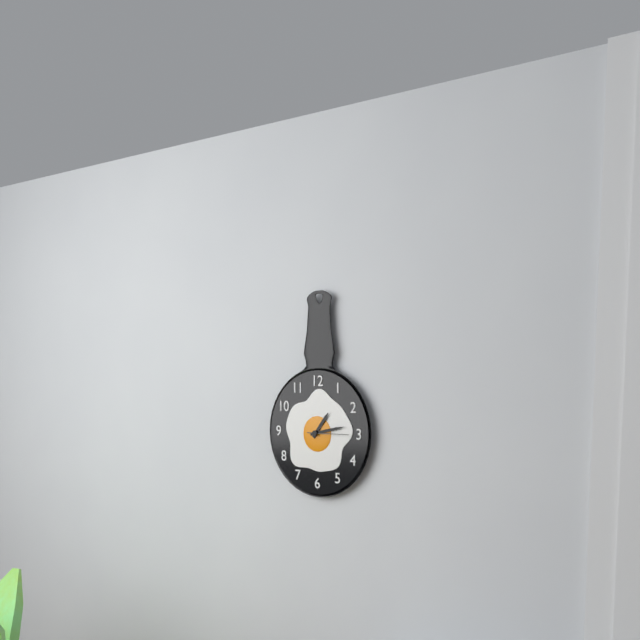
**1:13**
